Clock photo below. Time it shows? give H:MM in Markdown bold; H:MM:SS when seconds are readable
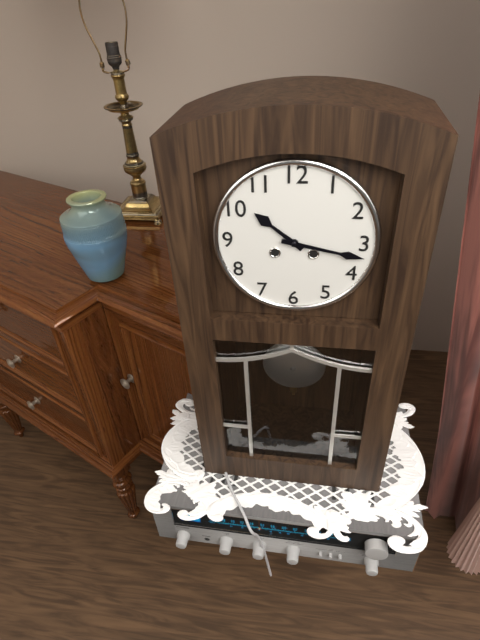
**10:17**
